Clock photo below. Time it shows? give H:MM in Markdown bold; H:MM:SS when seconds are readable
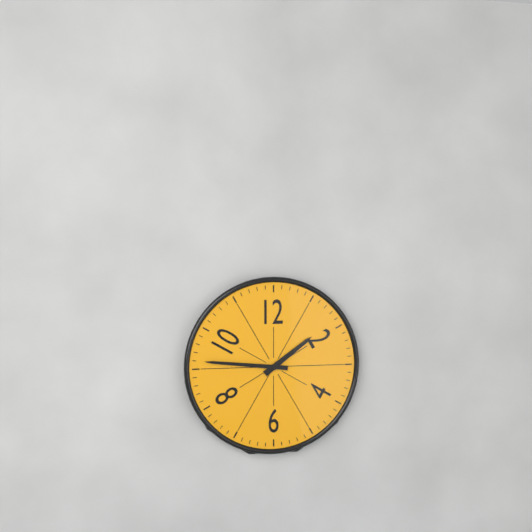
**1:46**
